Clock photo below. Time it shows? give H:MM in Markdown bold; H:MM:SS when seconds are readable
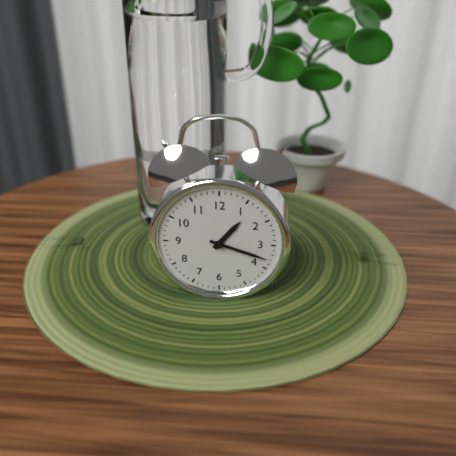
**1:18**
